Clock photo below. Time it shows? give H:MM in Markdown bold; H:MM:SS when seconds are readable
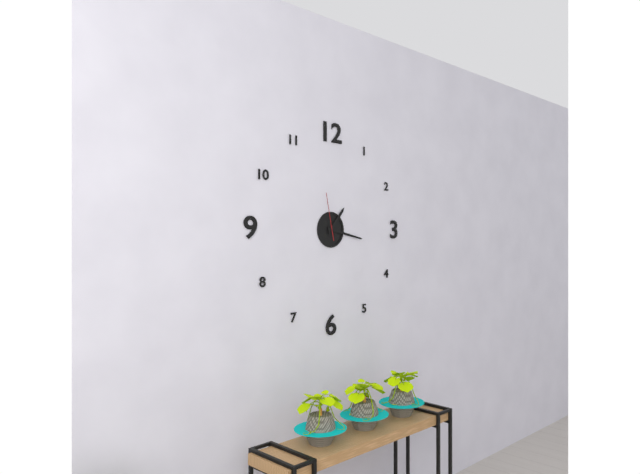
**1:17**
